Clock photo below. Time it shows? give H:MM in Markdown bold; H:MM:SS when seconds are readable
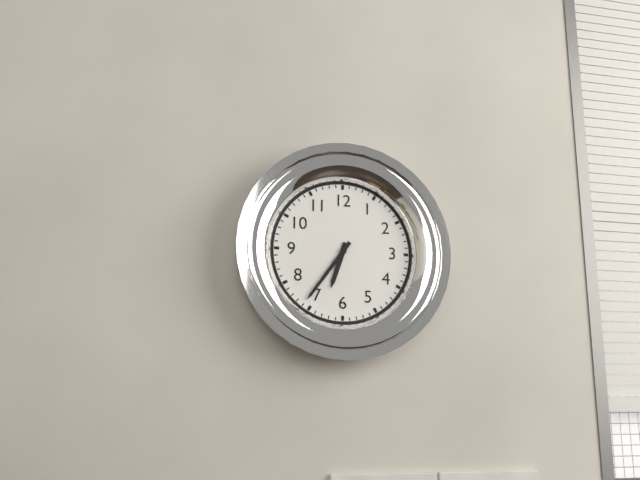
**6:36**
